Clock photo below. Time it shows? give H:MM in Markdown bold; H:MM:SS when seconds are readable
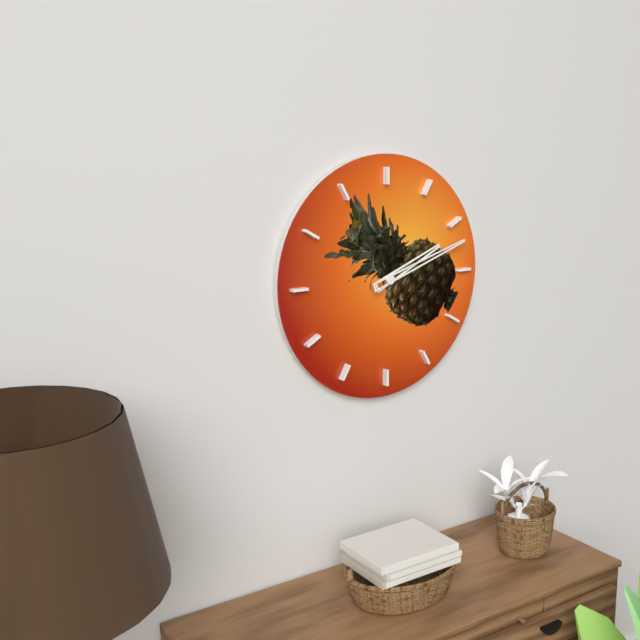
**2:12**
